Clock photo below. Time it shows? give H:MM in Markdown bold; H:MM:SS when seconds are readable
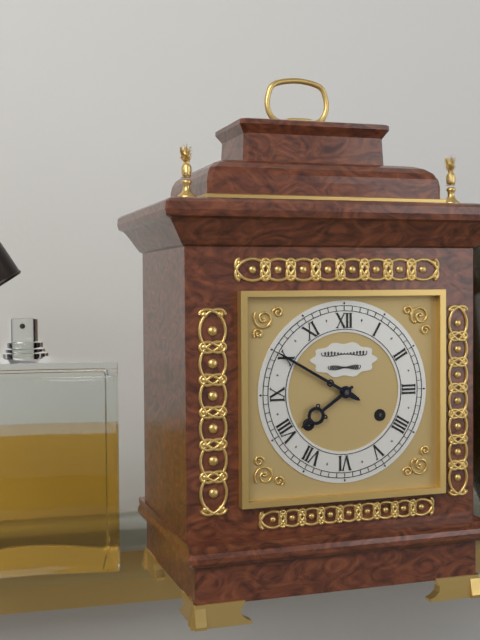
**7:50**
